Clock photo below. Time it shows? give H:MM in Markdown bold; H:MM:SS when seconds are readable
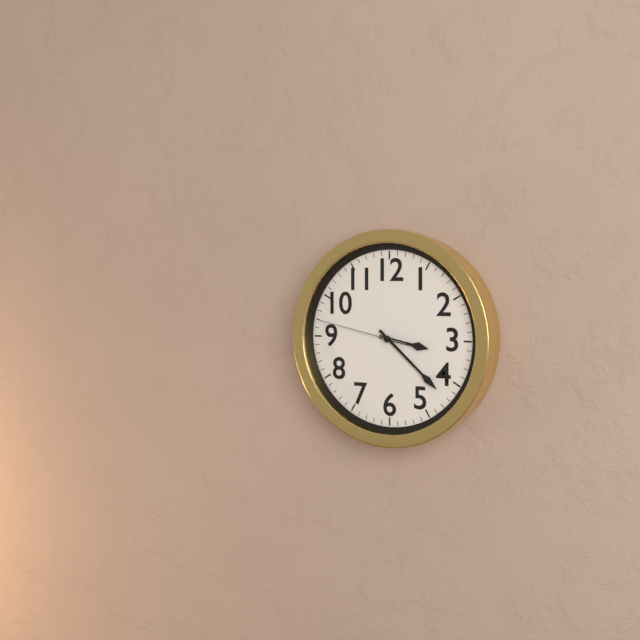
**3:22:47**
